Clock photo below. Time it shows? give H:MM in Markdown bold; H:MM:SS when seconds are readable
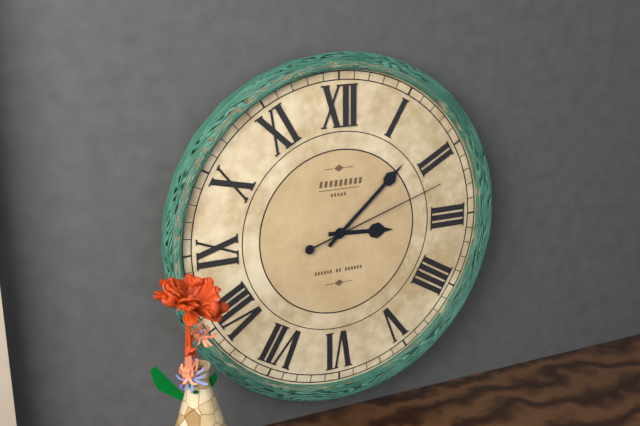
**3:08:12**
